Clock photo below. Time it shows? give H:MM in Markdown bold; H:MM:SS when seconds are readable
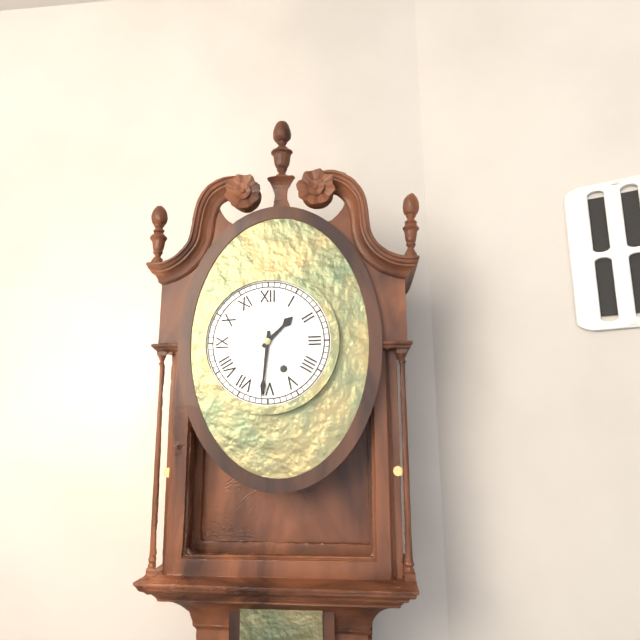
**1:31**
